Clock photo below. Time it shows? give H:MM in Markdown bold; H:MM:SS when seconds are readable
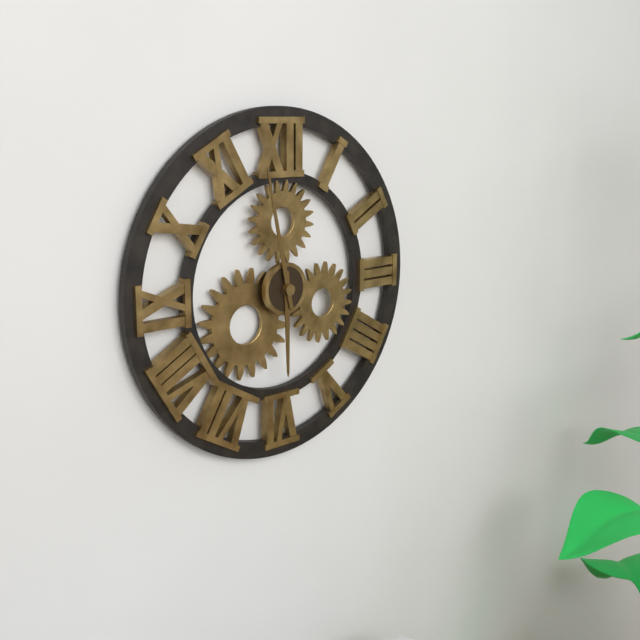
**5:58**
